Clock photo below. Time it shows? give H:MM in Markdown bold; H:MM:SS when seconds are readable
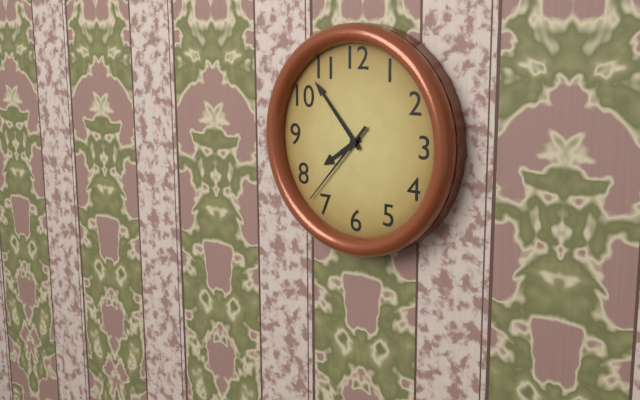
**7:53:37**
